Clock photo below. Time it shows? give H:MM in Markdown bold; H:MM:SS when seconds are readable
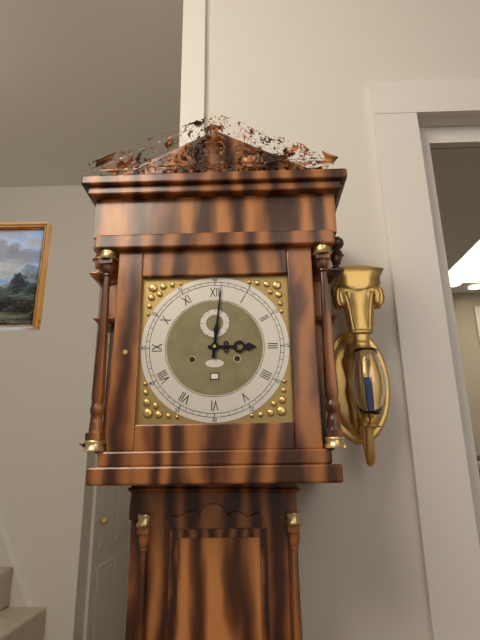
**3:01**
